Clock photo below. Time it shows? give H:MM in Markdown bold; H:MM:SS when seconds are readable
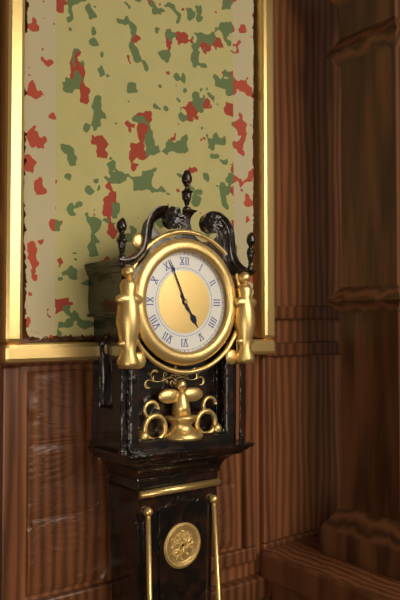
**4:56**
